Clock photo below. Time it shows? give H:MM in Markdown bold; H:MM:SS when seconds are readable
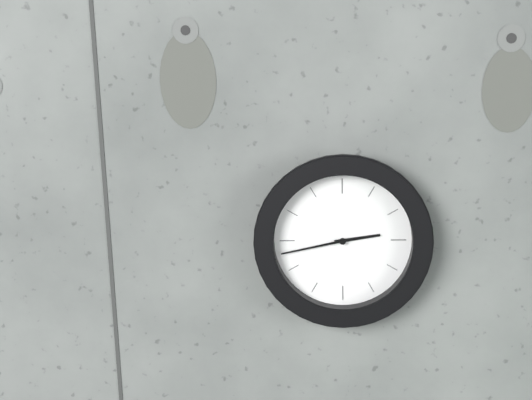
**2:43**
